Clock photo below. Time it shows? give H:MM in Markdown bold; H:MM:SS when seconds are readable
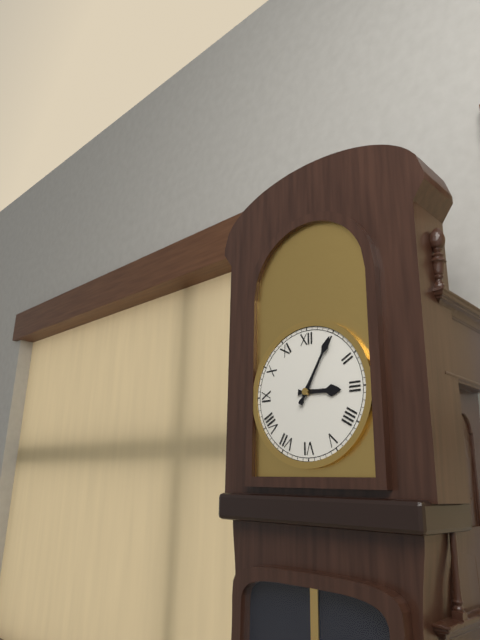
**3:05**
